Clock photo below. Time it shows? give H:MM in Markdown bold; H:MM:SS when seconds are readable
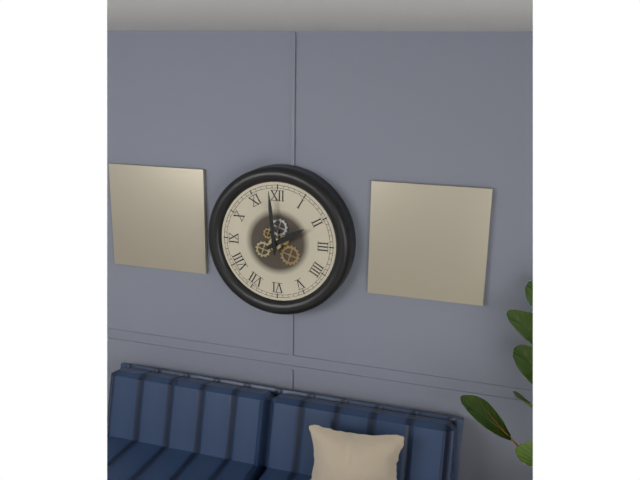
**1:59**
